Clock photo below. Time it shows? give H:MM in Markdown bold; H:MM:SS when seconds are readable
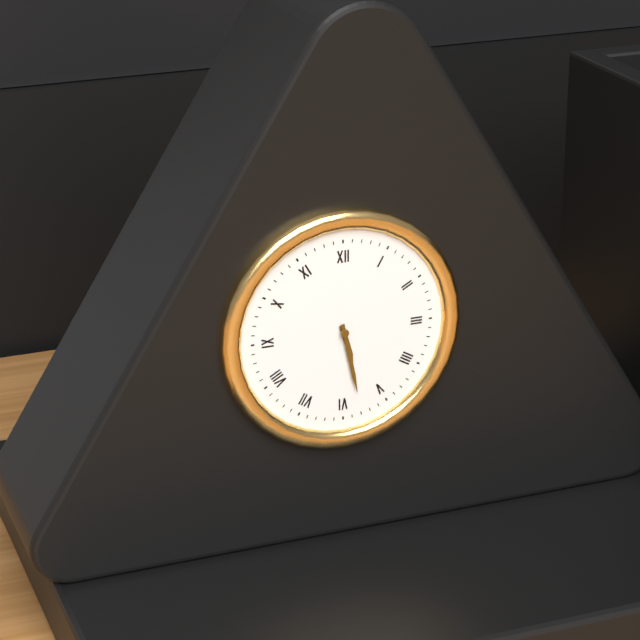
**5:28**
